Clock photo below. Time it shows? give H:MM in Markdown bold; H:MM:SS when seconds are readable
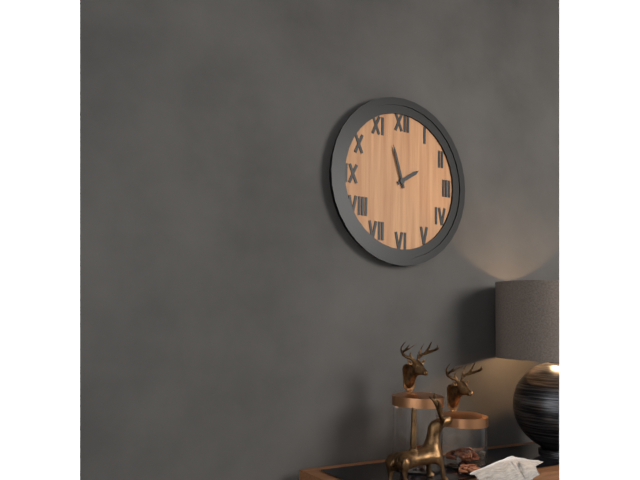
**1:57**
